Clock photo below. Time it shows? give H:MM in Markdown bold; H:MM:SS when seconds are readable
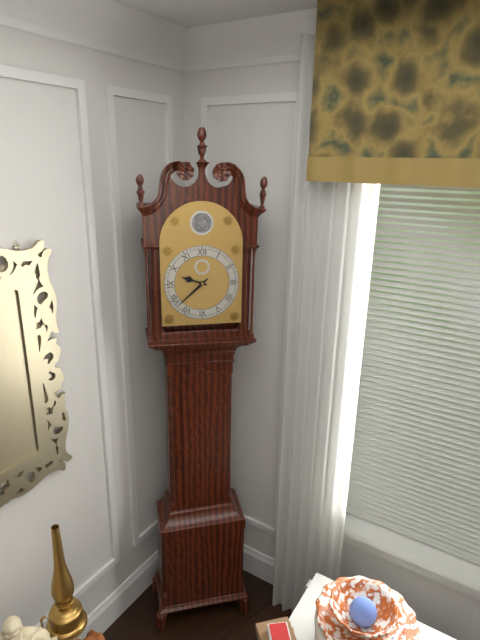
**9:38**
